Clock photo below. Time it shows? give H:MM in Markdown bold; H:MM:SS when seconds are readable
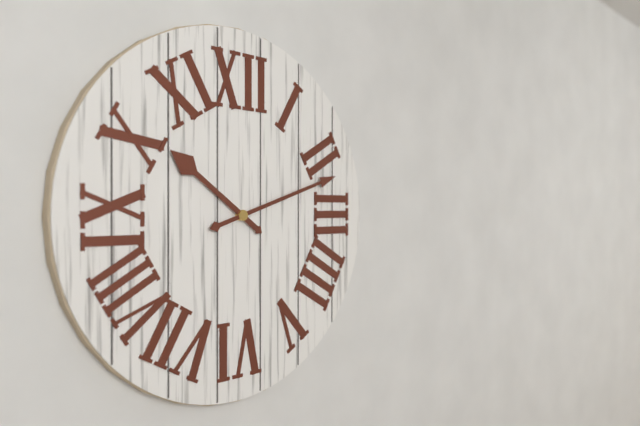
**10:12**
